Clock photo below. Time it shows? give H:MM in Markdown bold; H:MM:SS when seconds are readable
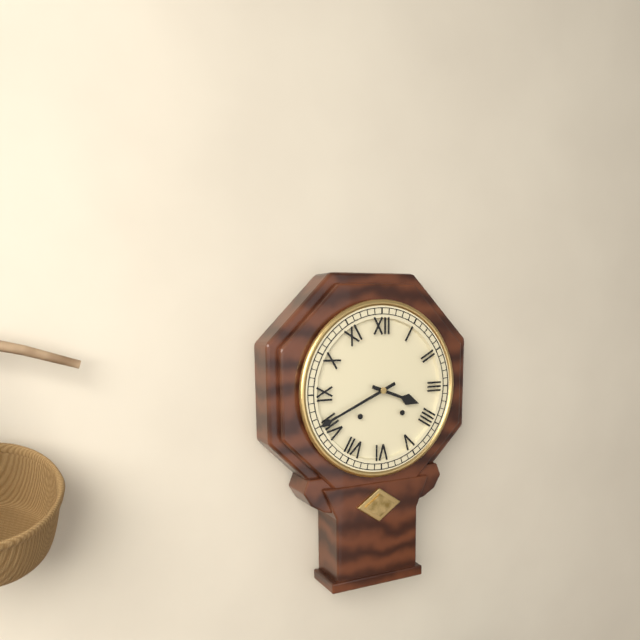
**3:41**
